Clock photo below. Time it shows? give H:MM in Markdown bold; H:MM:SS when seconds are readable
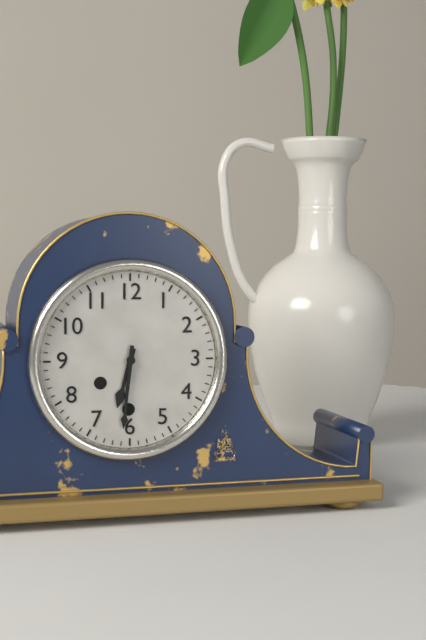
**6:31**
